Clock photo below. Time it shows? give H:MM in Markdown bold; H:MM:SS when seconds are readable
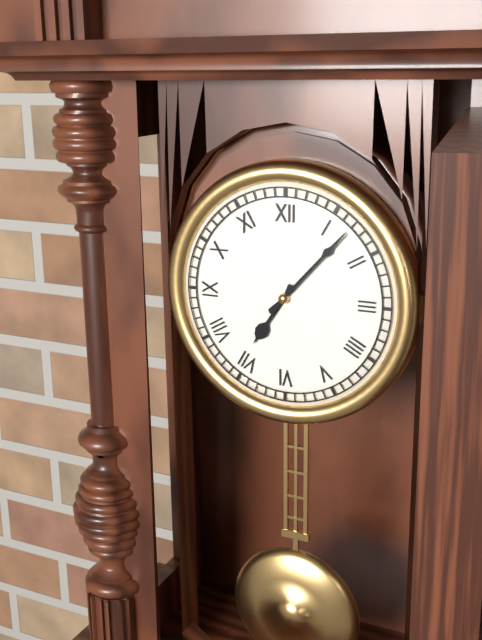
**7:07**
